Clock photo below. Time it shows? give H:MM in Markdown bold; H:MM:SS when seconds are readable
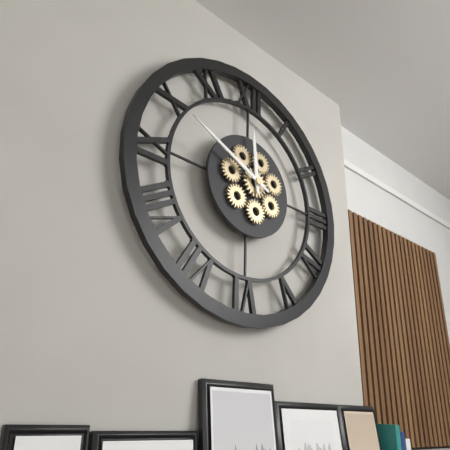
**11:49**
